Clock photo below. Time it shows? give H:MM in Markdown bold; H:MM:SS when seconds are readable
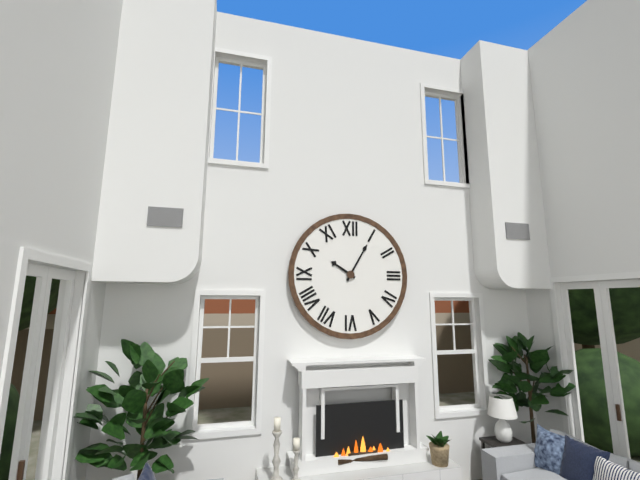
**10:05**
